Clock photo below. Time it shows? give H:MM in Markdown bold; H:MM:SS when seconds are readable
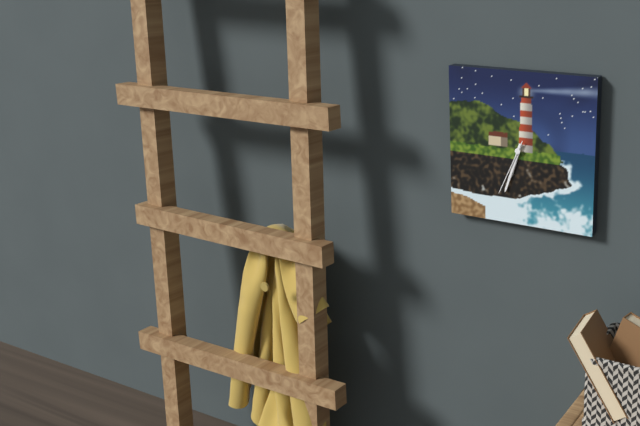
**6:33:34**
